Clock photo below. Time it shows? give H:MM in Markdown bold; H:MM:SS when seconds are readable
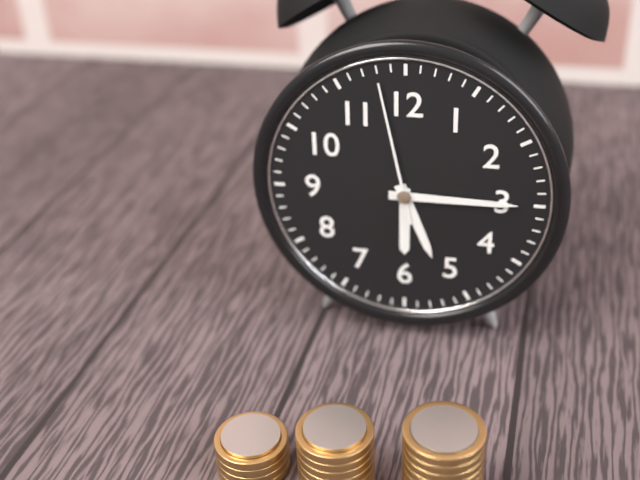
**5:15:58**
